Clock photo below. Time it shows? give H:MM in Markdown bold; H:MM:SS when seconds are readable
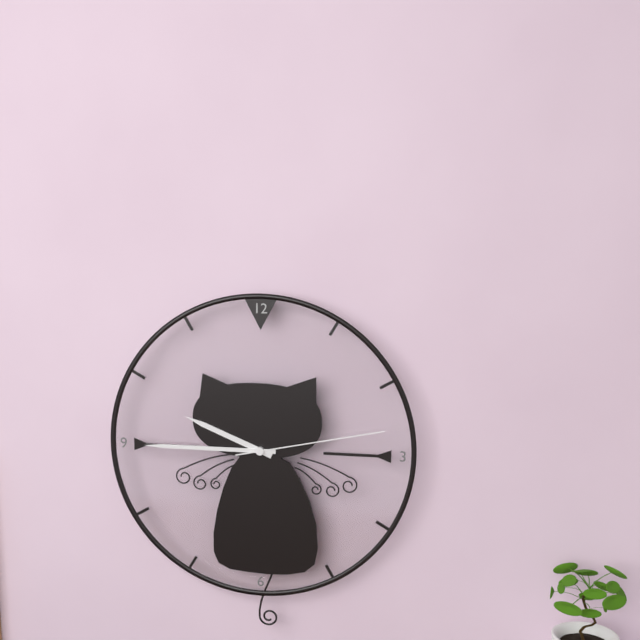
**9:45:13**
